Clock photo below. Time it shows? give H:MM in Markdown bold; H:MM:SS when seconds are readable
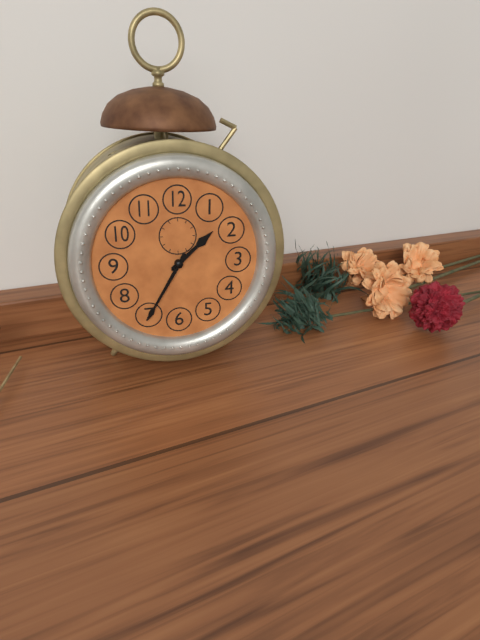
**1:35**
